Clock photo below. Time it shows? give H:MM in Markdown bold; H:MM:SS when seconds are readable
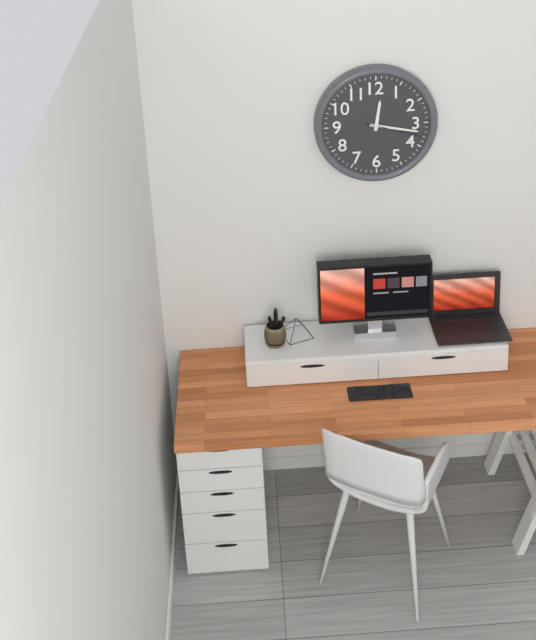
**12:17:18**
